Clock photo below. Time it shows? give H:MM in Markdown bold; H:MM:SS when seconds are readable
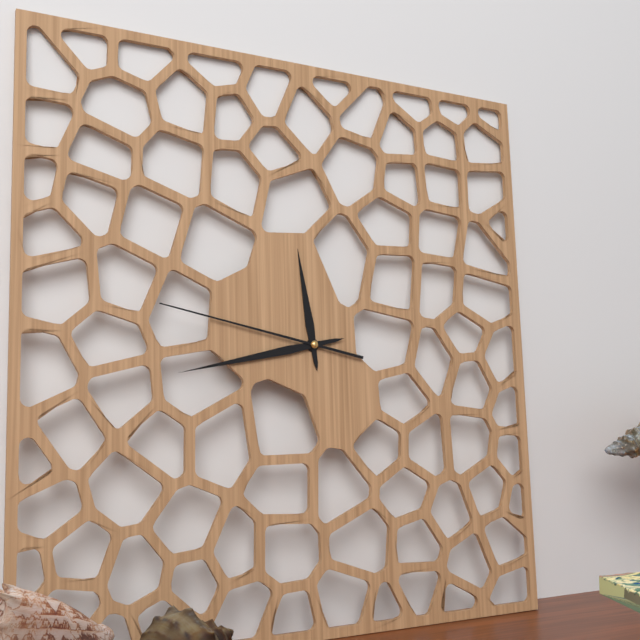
**11:43:47**
